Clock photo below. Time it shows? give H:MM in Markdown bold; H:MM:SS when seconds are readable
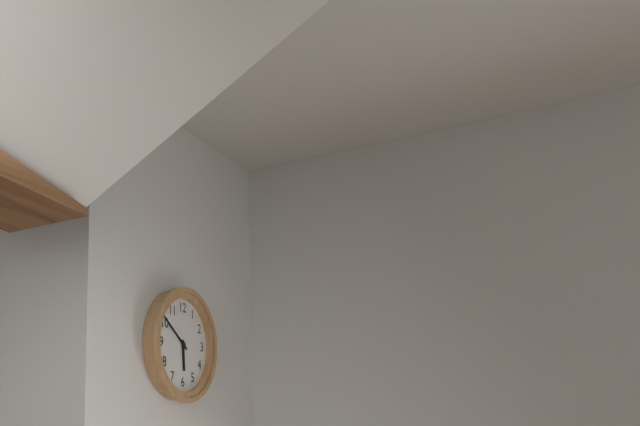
**5:51**
